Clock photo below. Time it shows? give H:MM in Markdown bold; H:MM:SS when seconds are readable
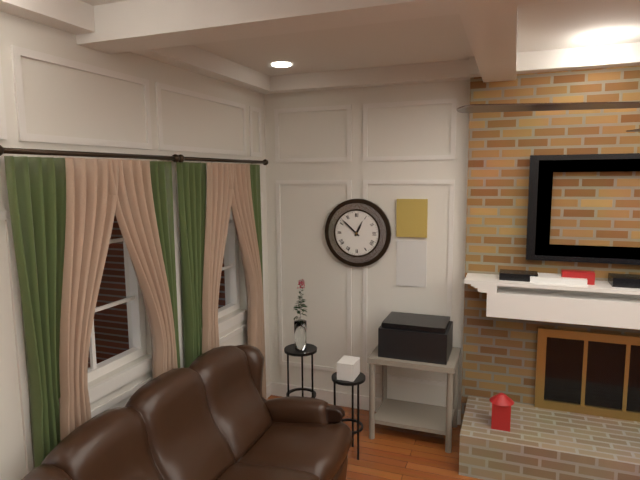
**12:52**
